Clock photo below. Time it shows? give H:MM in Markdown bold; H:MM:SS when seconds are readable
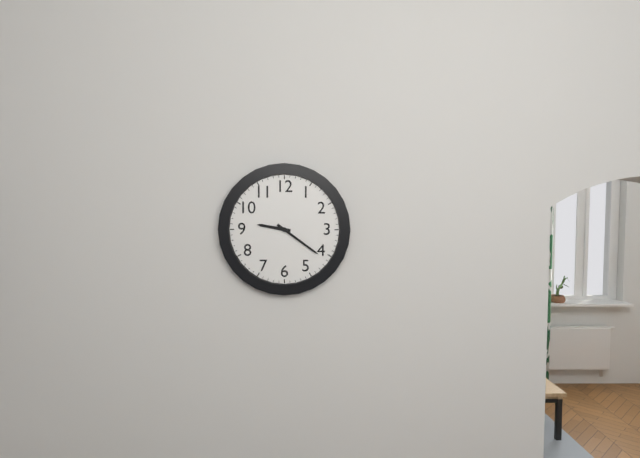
**9:21**
